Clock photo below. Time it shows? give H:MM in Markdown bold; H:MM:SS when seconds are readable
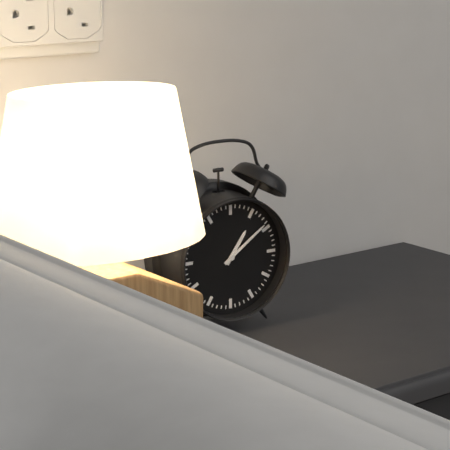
**1:09**
